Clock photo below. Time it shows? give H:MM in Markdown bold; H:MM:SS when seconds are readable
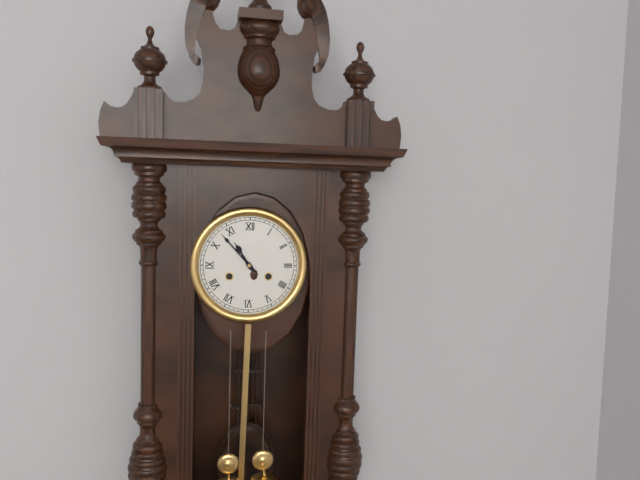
**10:53**
